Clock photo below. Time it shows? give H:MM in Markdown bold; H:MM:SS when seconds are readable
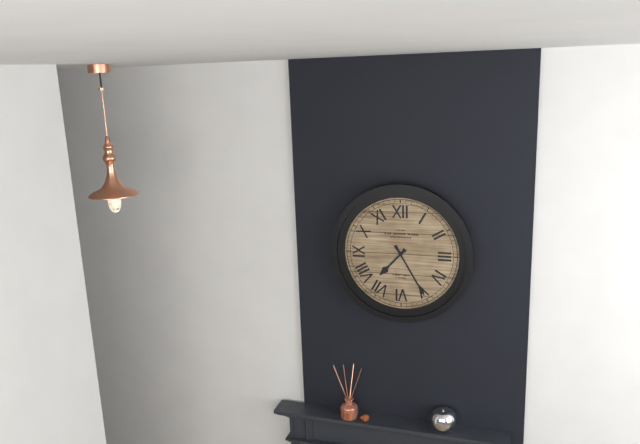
**7:25**
